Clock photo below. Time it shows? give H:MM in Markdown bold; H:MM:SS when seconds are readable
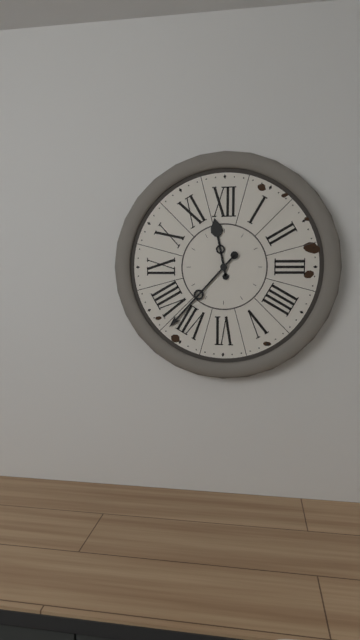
**11:37**
